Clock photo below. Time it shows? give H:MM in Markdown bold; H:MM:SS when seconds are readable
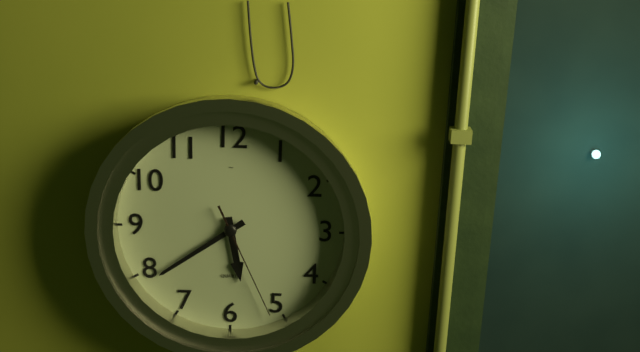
**5:39:26**
